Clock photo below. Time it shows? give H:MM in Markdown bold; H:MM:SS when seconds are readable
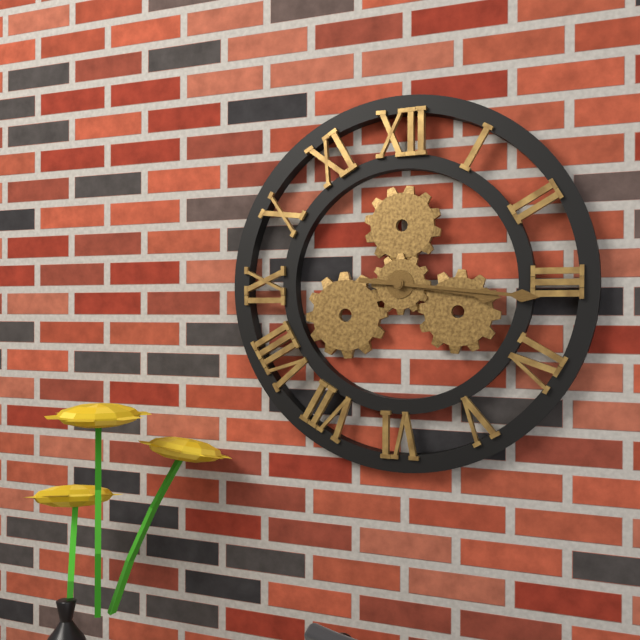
**3:16**
